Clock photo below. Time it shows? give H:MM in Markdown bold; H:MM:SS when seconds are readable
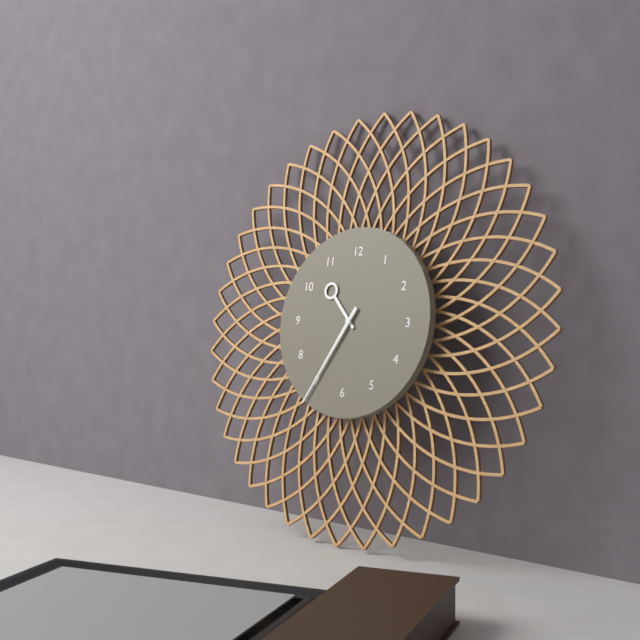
**10:35**
